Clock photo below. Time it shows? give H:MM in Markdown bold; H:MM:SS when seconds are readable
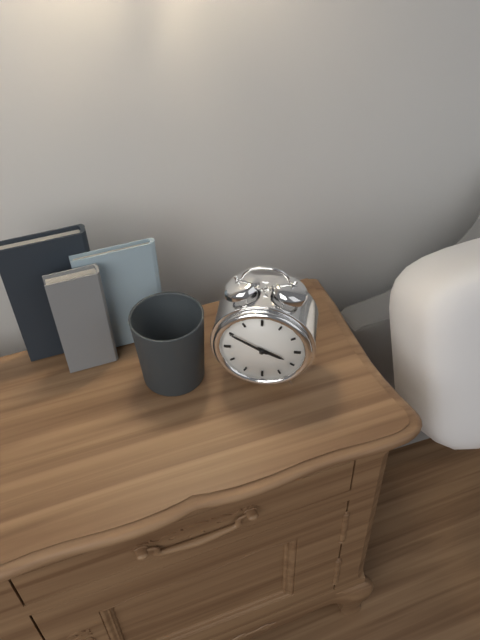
**3:50**
